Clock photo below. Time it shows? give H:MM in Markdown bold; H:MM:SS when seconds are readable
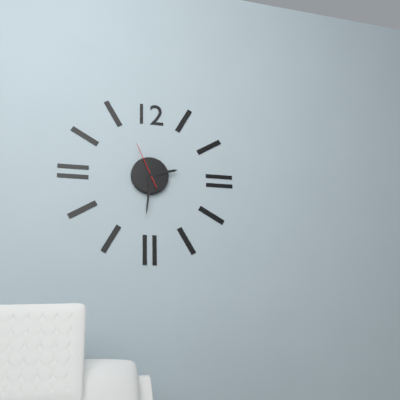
**2:31**
